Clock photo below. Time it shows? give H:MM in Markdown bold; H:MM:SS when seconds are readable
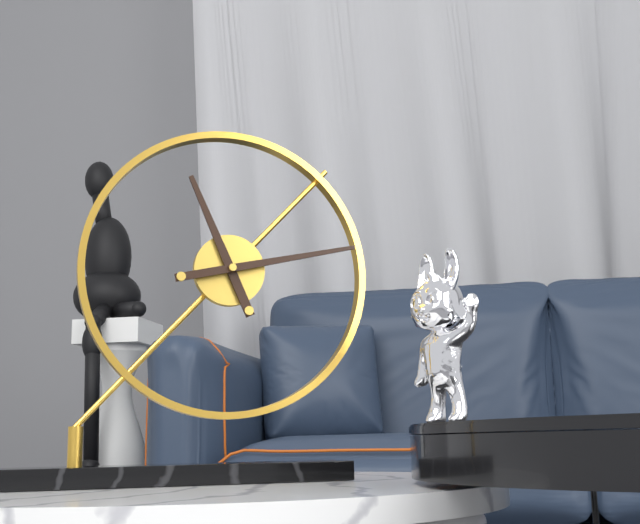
**11:13**
